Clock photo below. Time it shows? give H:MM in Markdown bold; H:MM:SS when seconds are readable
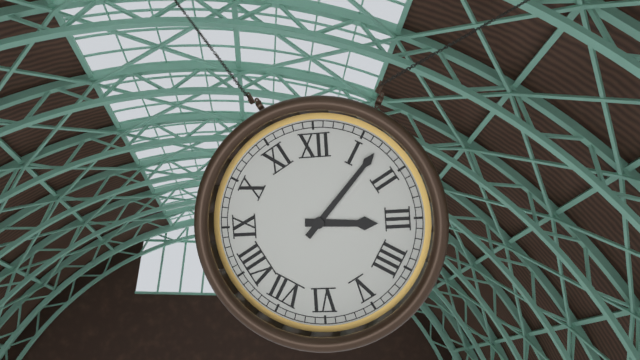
**3:07**
